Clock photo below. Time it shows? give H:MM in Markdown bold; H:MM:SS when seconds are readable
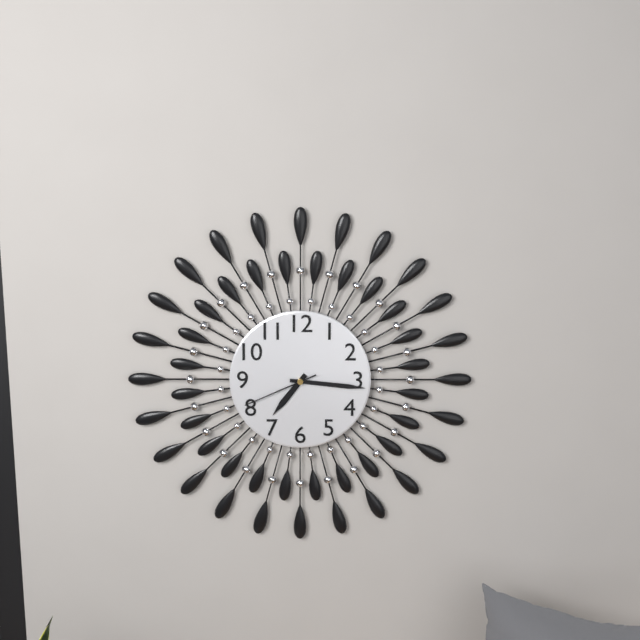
**7:16:41**
